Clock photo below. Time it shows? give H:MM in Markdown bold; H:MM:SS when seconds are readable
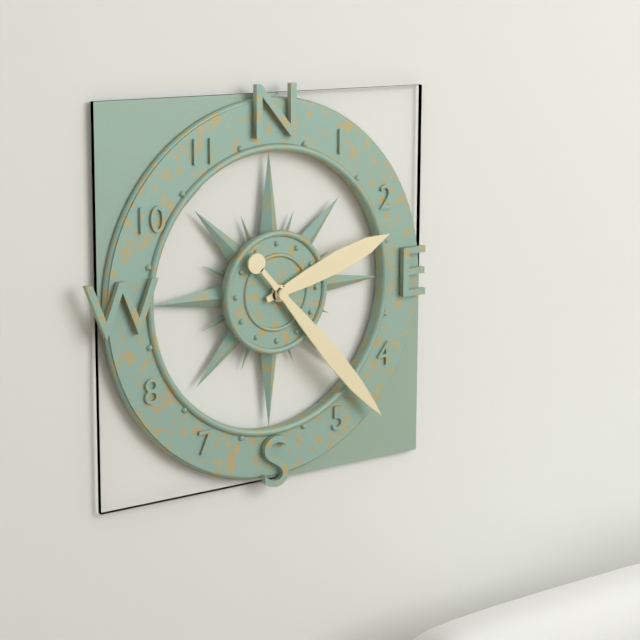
**2:23**
